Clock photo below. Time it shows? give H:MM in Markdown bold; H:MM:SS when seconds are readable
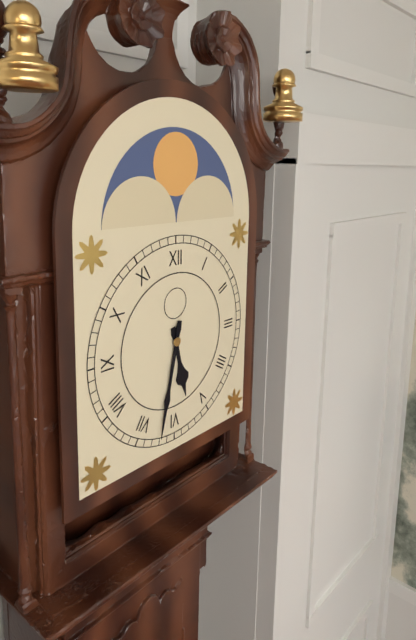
**5:32**
